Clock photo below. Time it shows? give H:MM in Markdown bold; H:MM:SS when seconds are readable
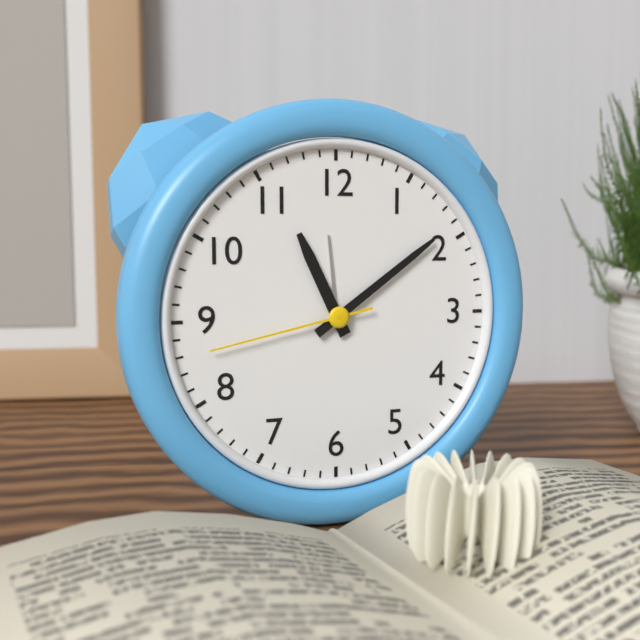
**11:09:43**
